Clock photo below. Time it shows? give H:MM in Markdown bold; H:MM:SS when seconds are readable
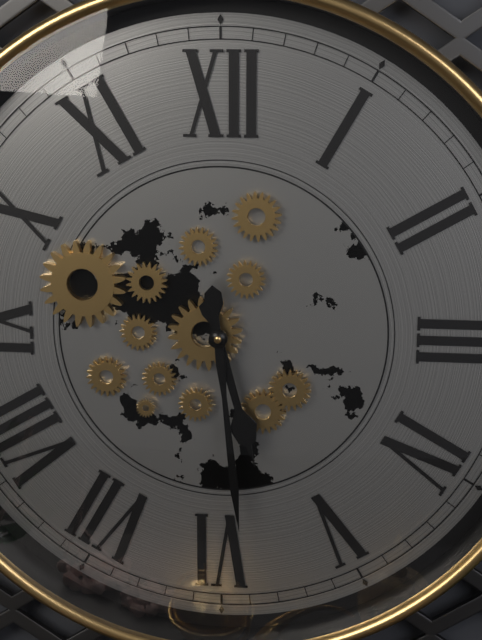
**5:29**
